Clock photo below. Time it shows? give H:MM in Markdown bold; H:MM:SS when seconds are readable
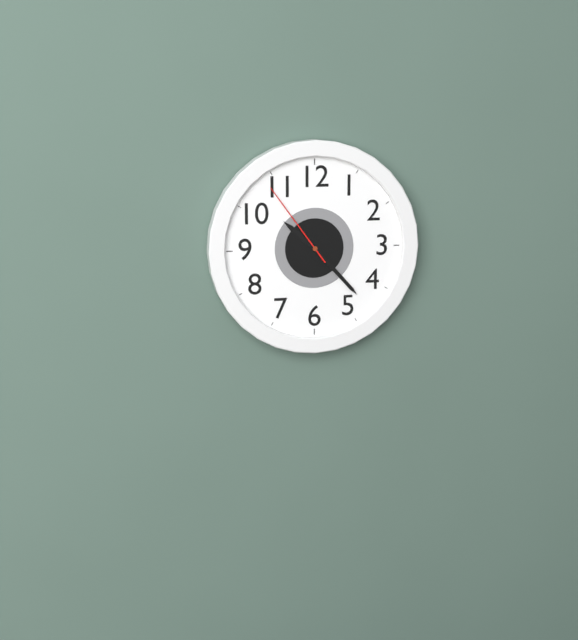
**10:23:54**
